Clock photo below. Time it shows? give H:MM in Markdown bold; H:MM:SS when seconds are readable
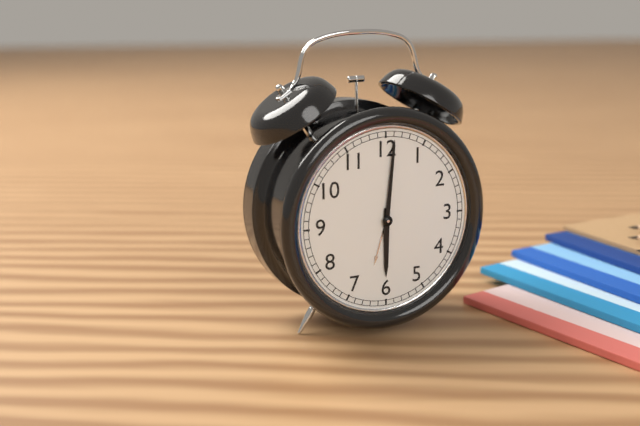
**6:01**
